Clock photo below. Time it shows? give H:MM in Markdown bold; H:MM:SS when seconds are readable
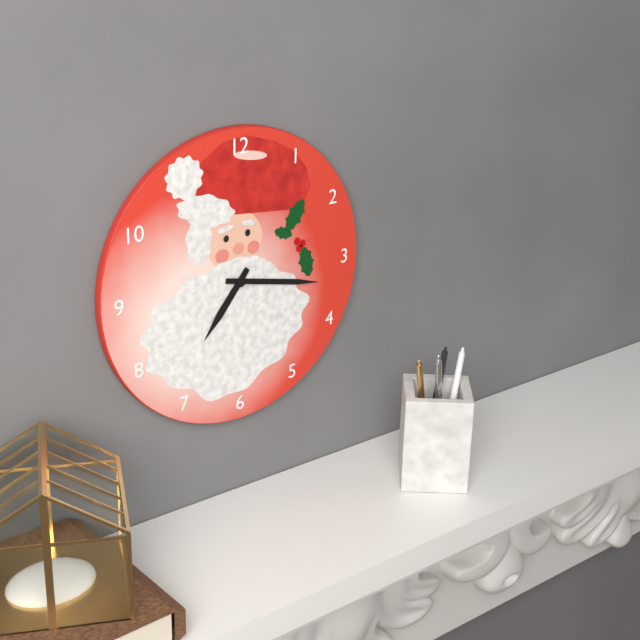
**7:17**
